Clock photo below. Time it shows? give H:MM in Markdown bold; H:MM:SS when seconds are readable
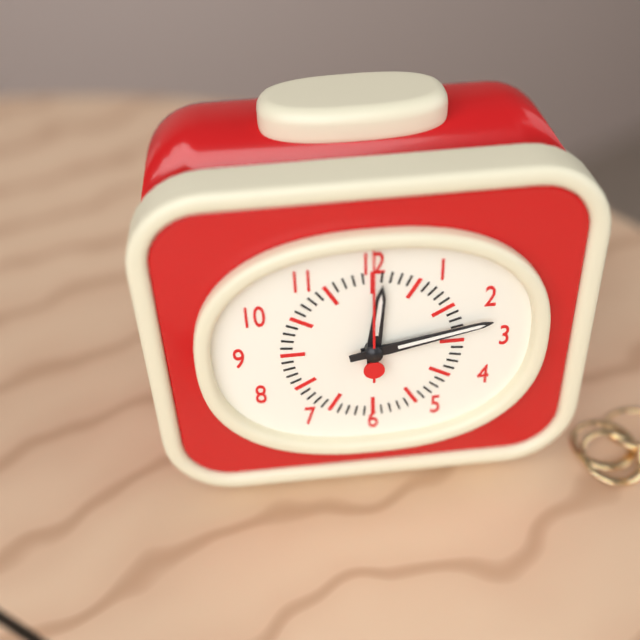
**12:13:00**
